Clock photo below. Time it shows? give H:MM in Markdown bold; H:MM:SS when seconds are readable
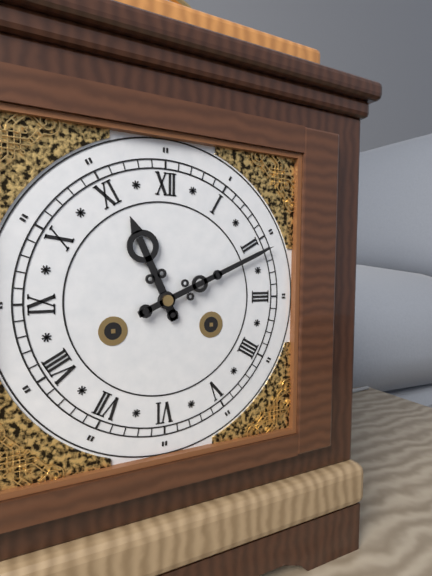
**11:11**
